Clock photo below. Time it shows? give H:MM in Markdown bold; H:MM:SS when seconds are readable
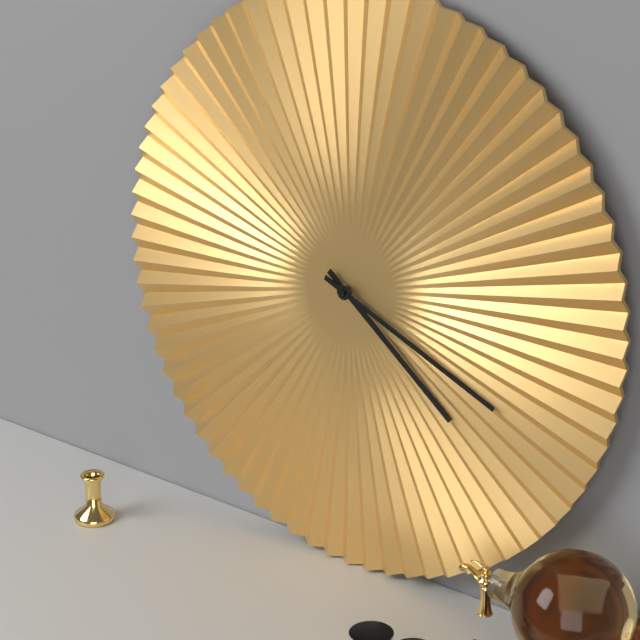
**4:19**
